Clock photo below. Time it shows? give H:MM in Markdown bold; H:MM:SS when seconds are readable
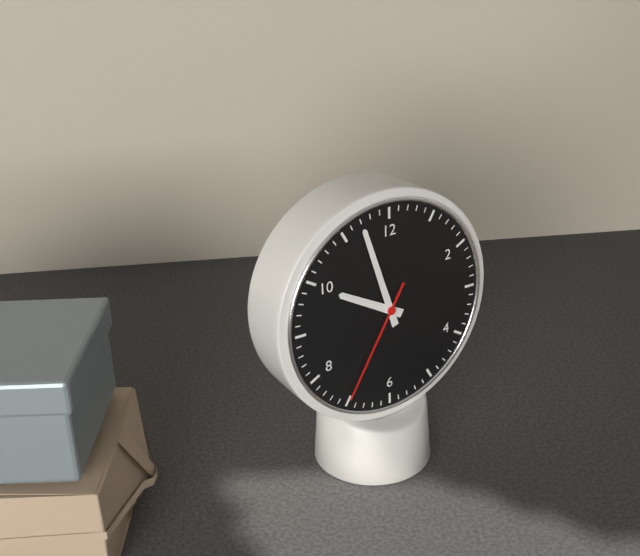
**9:57:35**
